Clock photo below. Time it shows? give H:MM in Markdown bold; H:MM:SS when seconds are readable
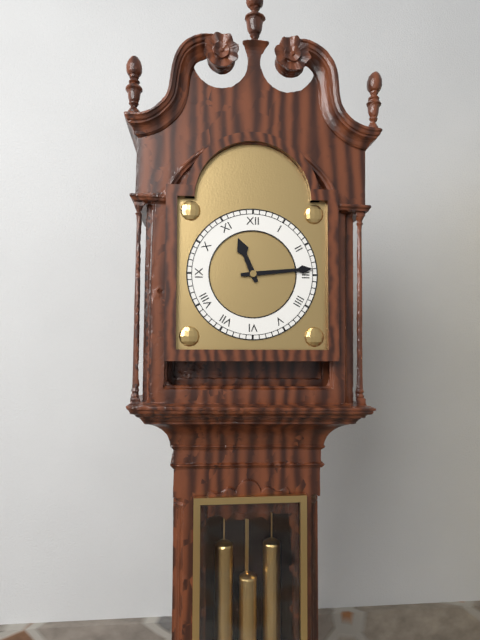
**11:14**
